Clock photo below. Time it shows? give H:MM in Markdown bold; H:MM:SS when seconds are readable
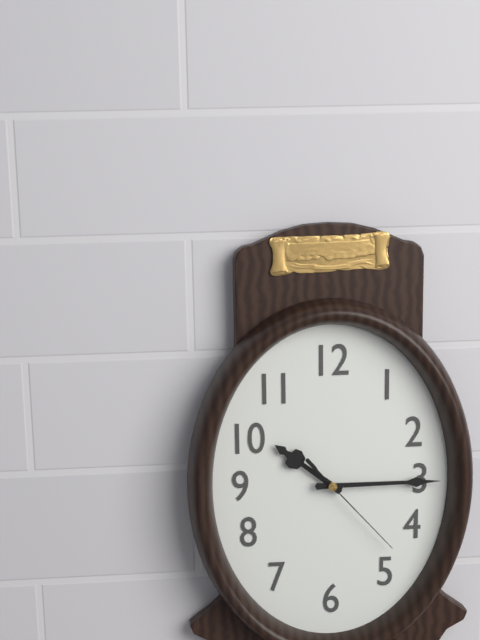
**10:15:23**
